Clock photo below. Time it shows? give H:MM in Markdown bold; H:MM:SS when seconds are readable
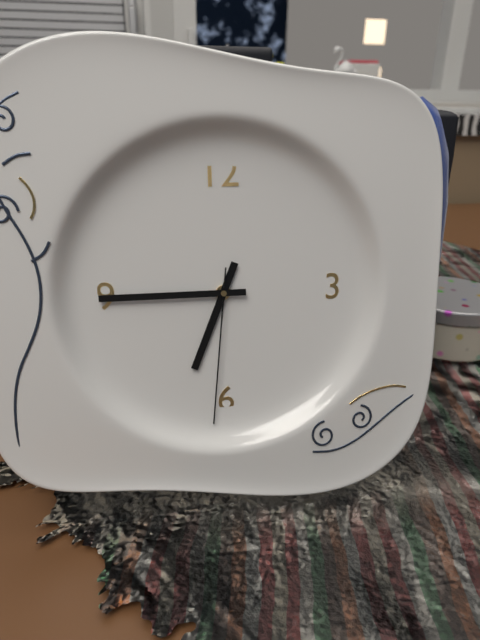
**6:45:31**
